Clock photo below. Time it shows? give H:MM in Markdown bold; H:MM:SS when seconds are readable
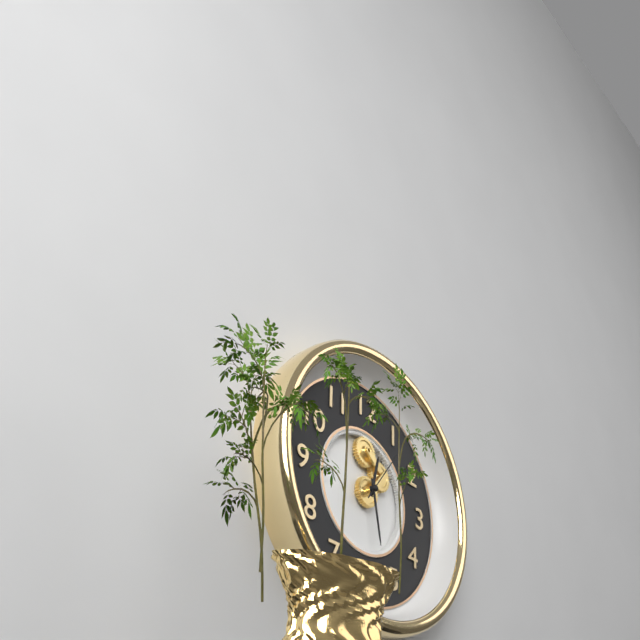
**12:28:06**
